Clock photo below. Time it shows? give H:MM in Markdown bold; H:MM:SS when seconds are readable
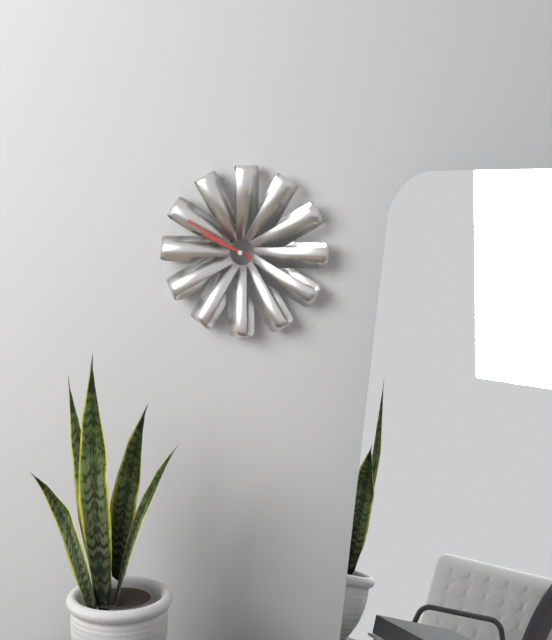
**9:50**
